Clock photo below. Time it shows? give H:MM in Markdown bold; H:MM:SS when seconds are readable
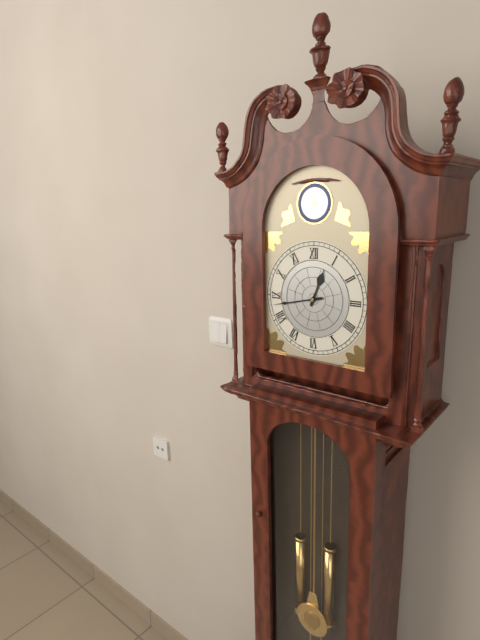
**12:43**
